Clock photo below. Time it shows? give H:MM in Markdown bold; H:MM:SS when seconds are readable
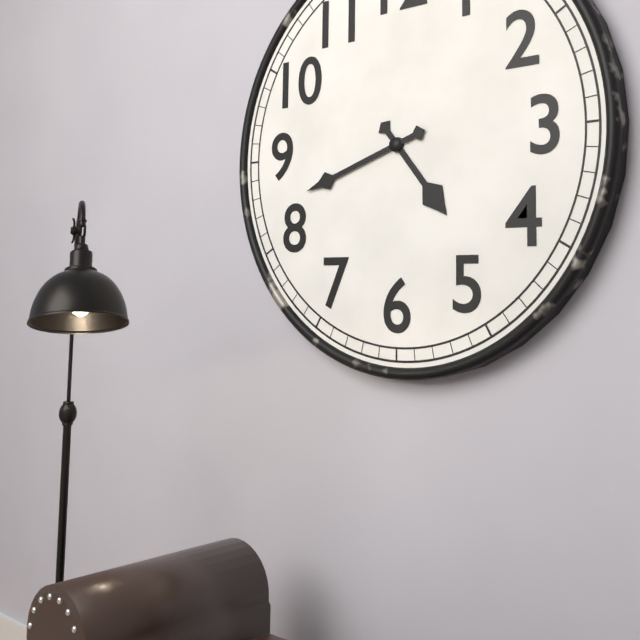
**4:42**
